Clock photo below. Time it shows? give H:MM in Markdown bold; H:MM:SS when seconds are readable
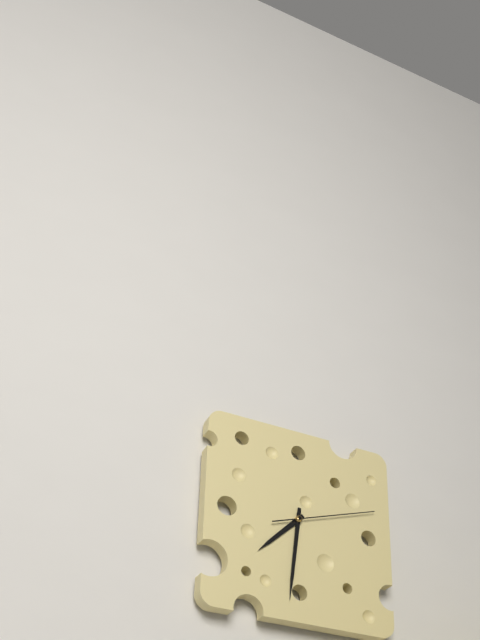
**7:31:12**
